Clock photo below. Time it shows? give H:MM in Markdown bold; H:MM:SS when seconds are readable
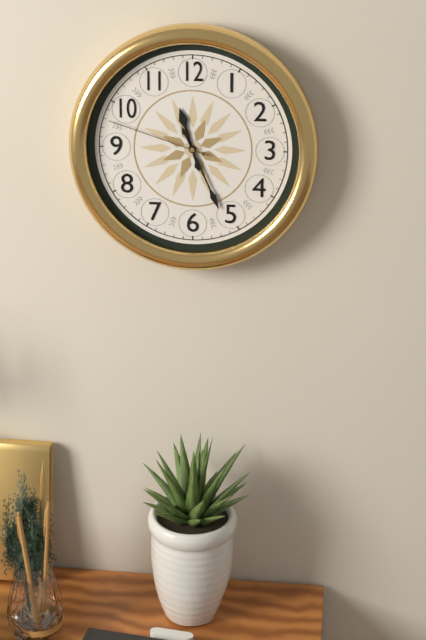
**11:26:48**
